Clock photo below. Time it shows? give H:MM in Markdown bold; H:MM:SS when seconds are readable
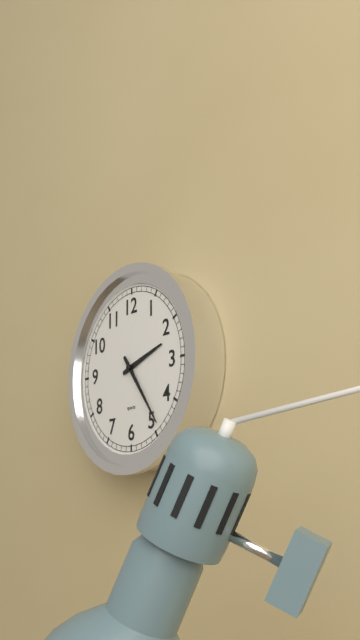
**2:24**
